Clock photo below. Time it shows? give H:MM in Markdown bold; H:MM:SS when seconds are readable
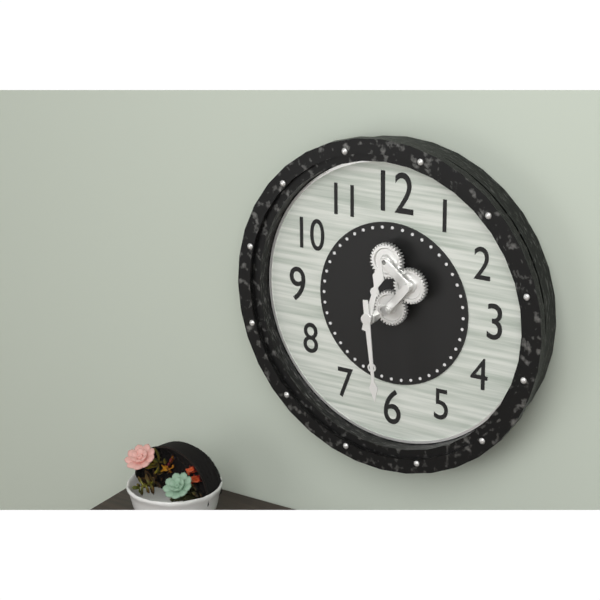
**12:29**
